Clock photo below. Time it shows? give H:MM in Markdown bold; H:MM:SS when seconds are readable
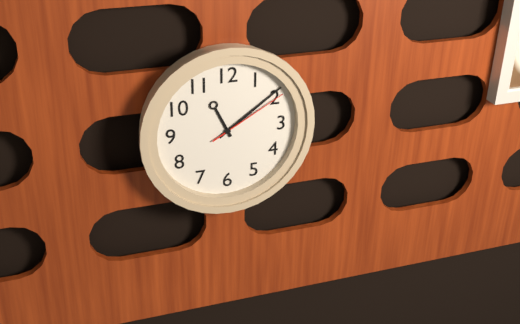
**11:09:10**
